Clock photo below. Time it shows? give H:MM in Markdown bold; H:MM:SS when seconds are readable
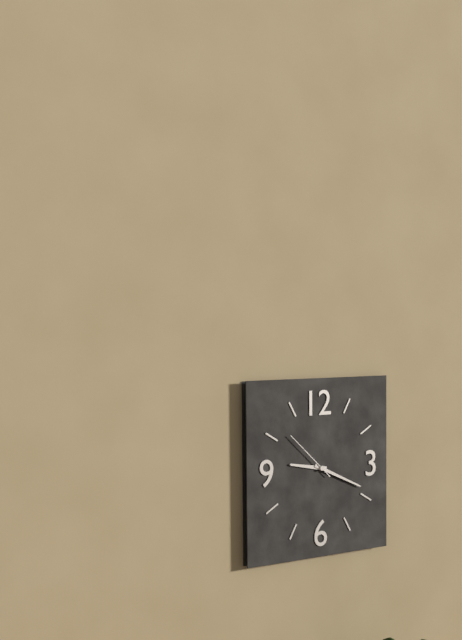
**9:19**
